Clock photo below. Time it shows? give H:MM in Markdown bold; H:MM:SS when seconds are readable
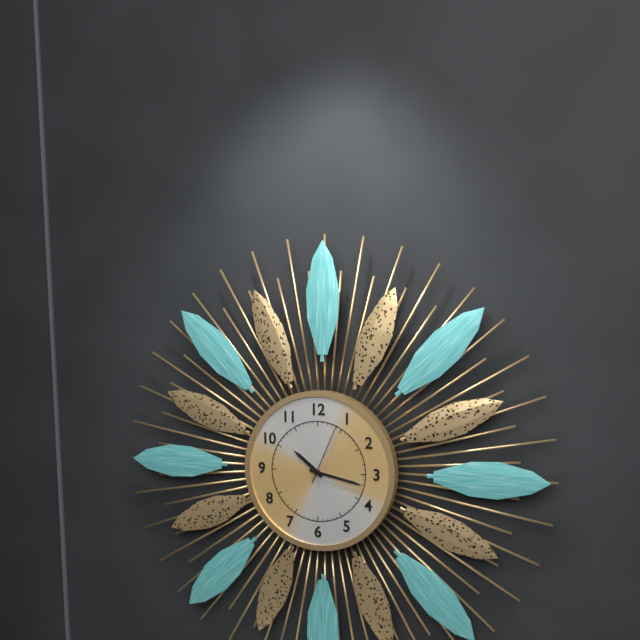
**10:17:04**
